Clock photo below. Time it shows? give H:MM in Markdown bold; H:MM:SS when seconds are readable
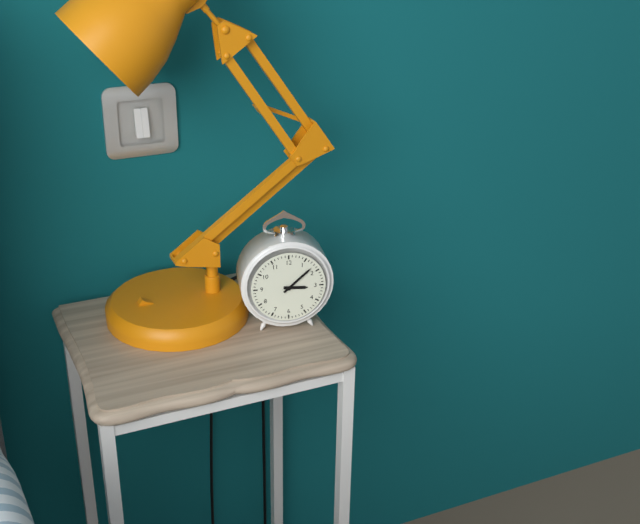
**3:08**
